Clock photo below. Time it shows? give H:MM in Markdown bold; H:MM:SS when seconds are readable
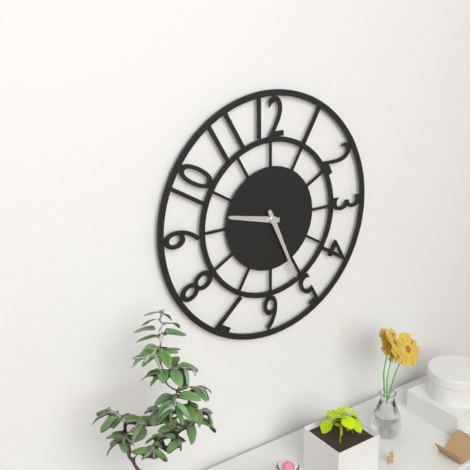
**9:26**
